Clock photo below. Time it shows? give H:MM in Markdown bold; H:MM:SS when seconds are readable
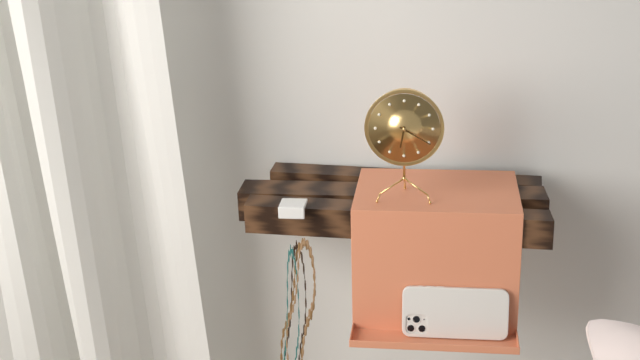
**6:20**
